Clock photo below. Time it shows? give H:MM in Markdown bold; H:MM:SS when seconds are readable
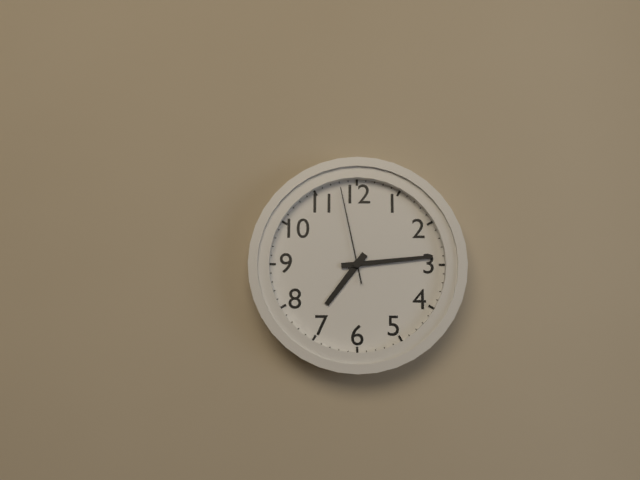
**7:14:58**
